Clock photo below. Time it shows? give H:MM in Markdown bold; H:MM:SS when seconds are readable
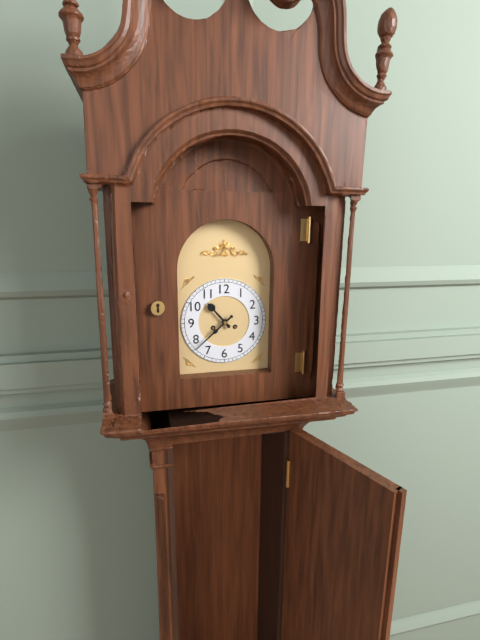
**10:38**
